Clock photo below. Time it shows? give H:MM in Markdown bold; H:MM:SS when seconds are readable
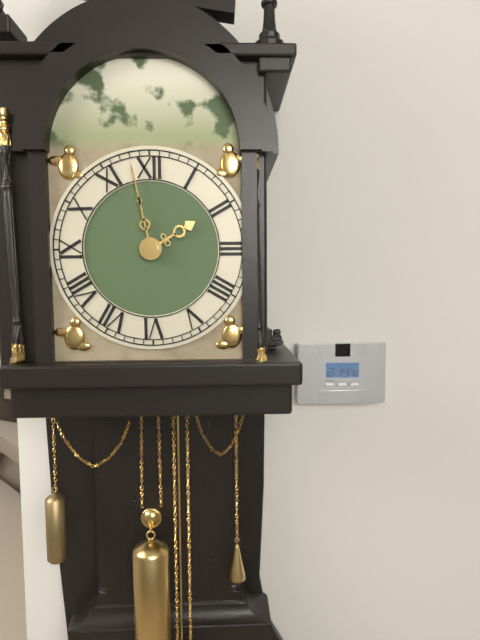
**1:58**
